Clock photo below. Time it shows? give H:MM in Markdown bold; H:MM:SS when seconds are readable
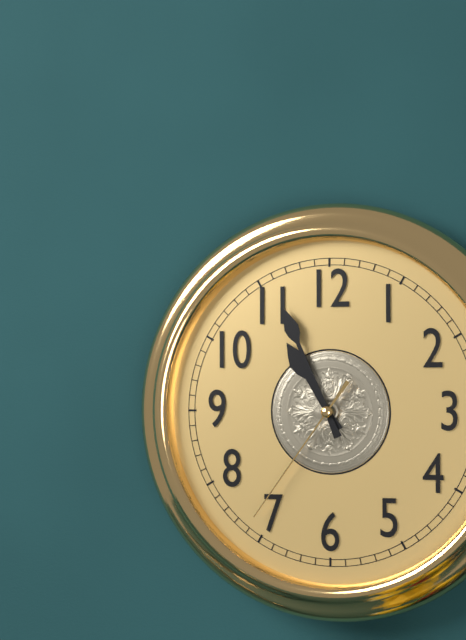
**10:56:36**
